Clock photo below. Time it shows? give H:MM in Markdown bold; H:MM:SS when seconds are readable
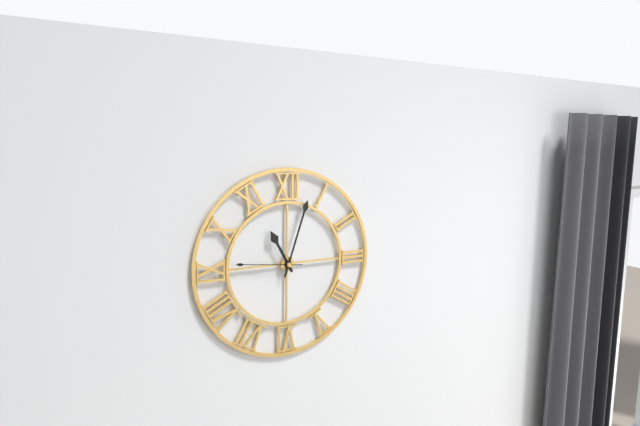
**11:03:46**
